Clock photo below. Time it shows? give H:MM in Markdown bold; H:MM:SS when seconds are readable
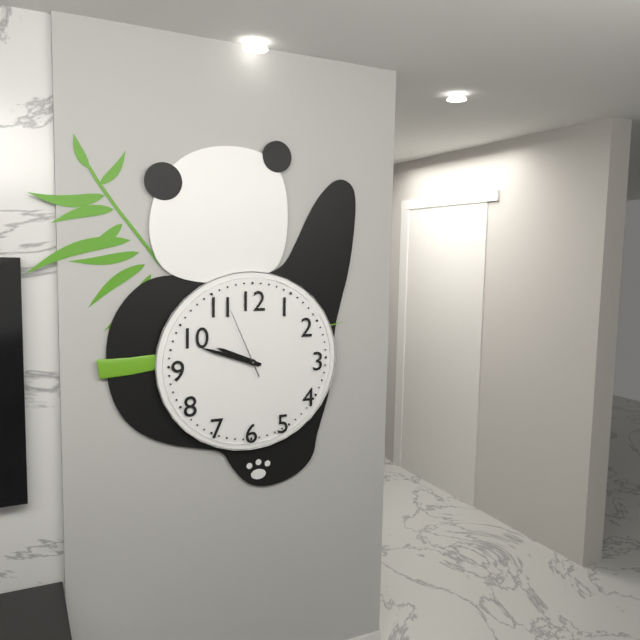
**9:48:56**
